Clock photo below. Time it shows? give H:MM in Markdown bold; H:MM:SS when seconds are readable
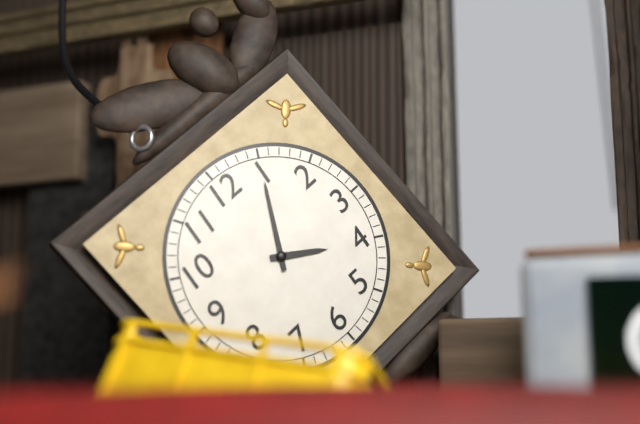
**4:05**
